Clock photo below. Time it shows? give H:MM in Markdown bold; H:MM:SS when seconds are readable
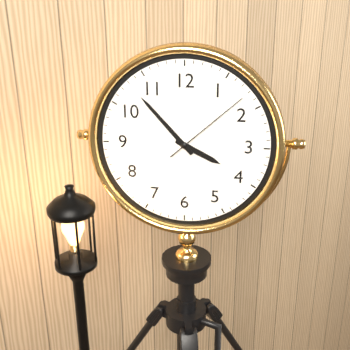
**3:53:08**
